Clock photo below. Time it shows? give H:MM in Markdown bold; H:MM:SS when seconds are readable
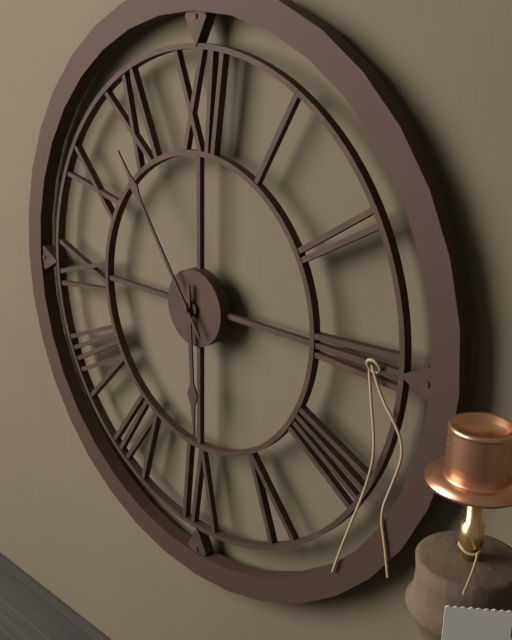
**5:54**
